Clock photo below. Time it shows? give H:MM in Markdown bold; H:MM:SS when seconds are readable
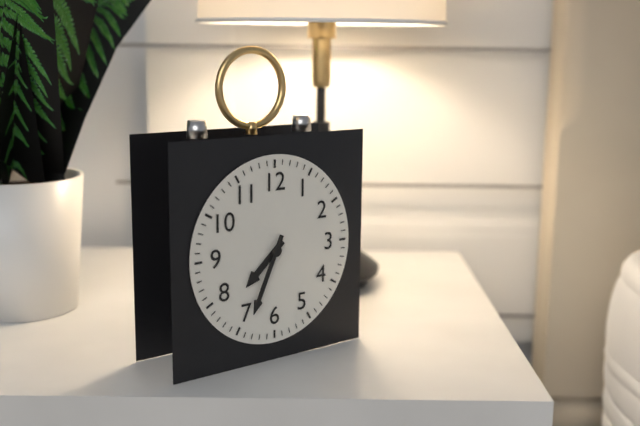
**7:34**
